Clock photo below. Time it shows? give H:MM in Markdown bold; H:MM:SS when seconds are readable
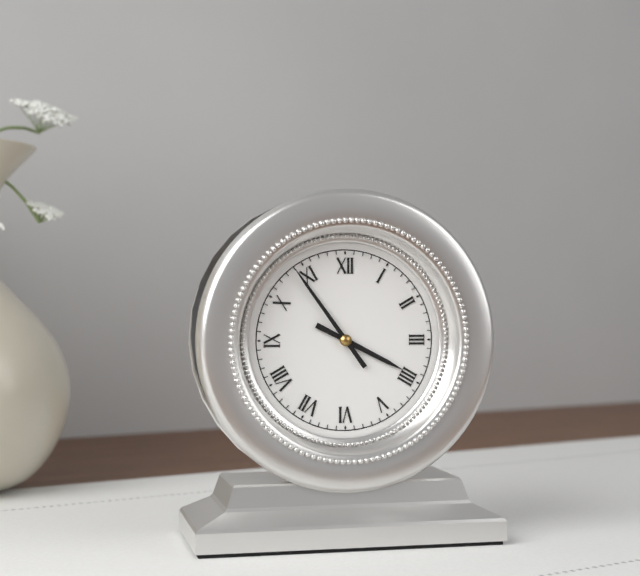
**3:54**
